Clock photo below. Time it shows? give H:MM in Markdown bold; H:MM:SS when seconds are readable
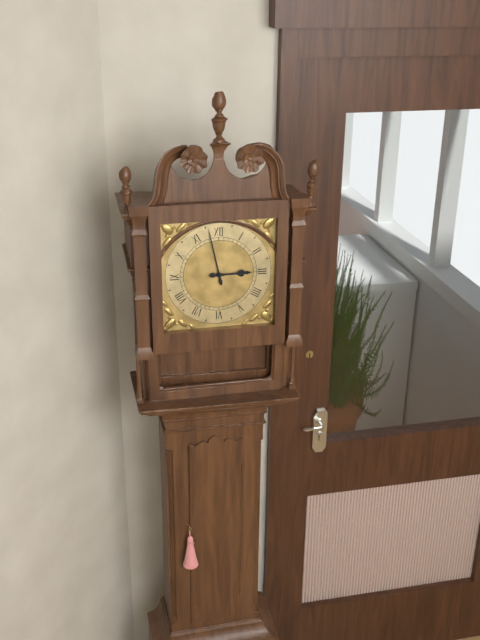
**2:58**
